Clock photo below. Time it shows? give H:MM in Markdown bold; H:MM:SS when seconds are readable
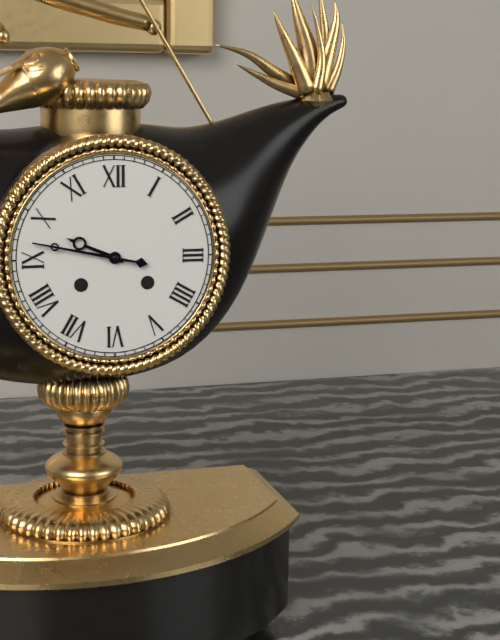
**9:47**
